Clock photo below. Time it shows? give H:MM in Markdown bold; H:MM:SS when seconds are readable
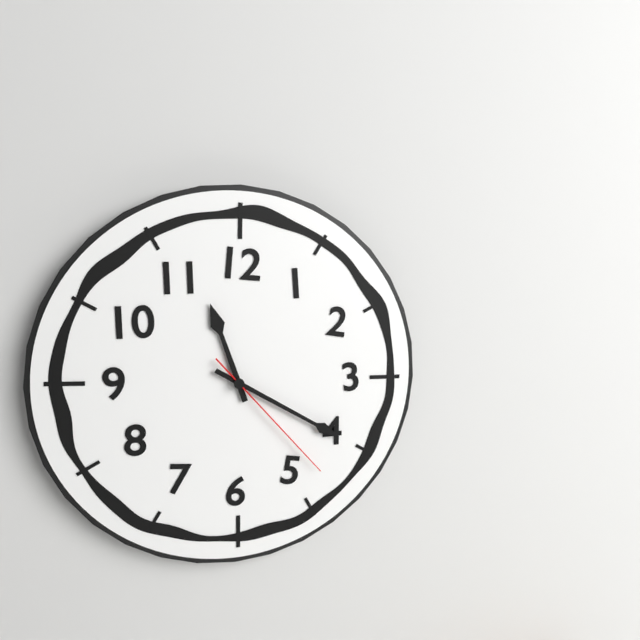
**11:20:23**
